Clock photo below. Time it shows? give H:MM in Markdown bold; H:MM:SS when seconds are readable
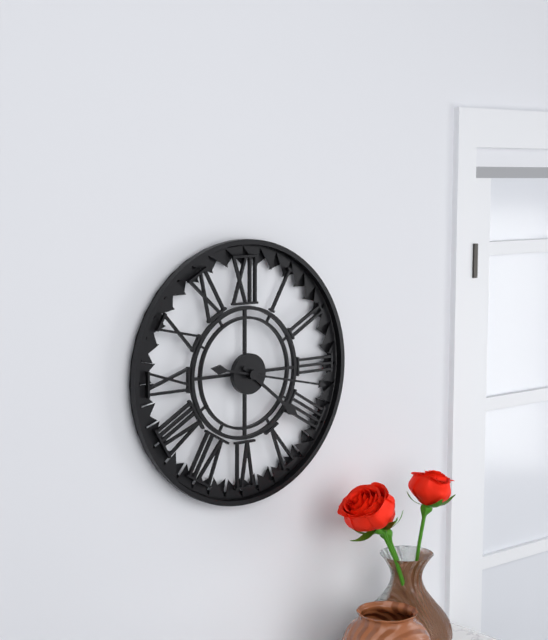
**4:17**
